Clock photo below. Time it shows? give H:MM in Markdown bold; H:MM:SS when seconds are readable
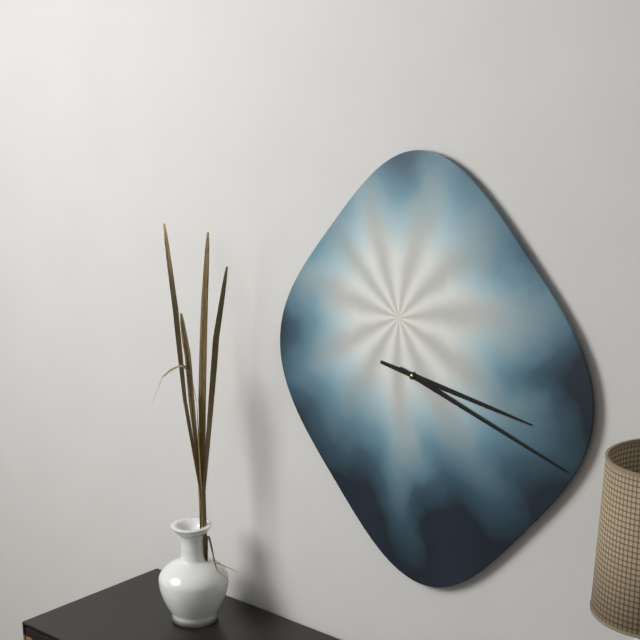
**3:18**
